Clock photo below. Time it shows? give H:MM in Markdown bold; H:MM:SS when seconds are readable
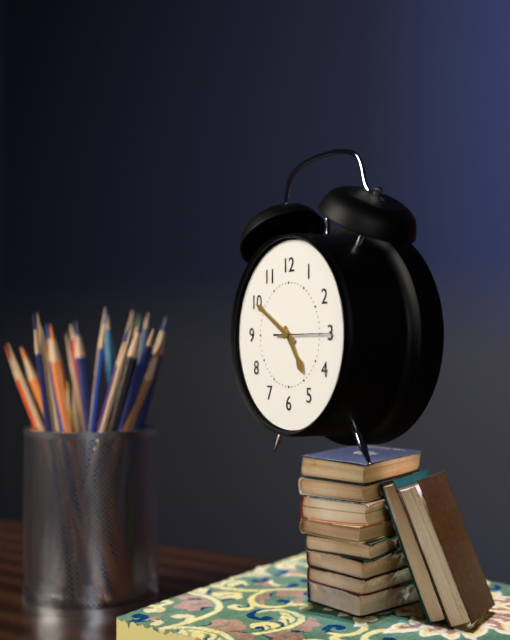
**4:50:15**
